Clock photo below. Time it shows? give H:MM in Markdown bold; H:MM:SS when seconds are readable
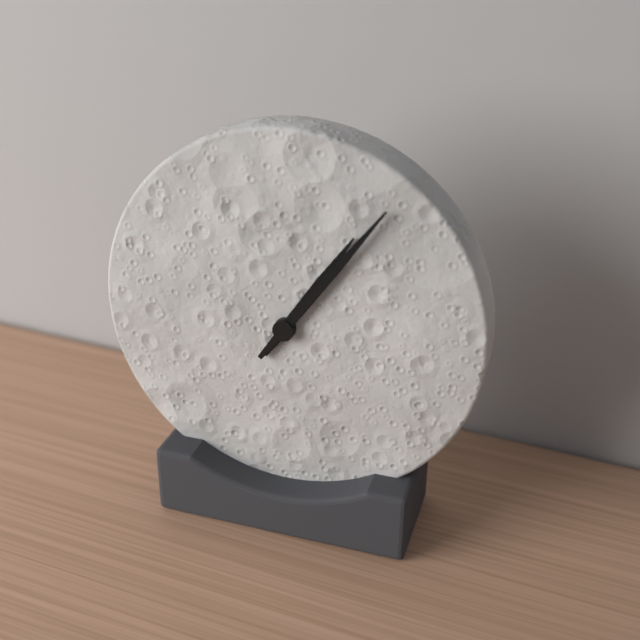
**1:06**
